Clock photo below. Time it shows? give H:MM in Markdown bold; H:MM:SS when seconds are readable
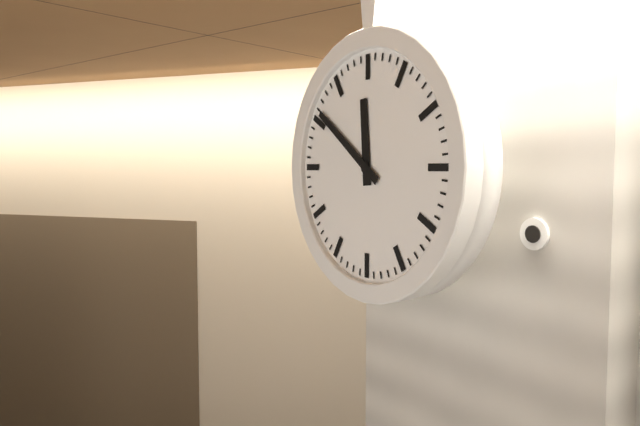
**11:51**
